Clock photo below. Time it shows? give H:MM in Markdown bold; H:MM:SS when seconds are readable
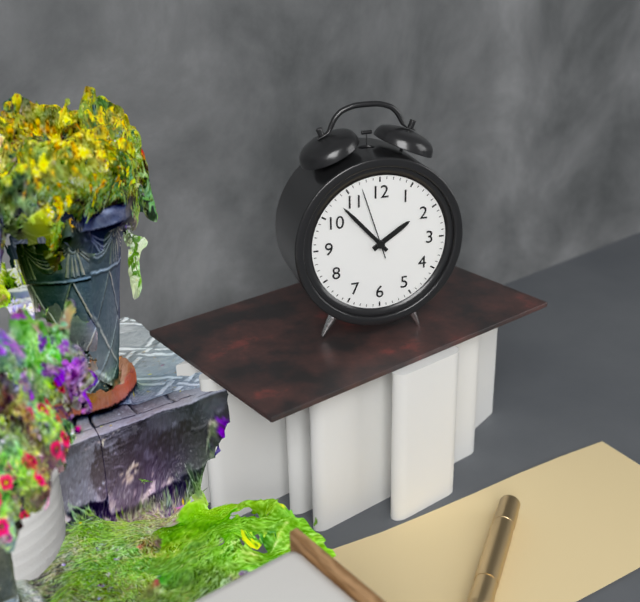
**1:53:57**
